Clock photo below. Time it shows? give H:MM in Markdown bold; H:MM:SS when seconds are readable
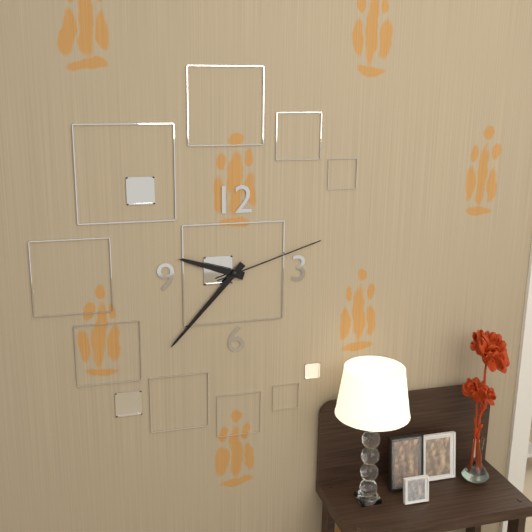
**9:37:12**
